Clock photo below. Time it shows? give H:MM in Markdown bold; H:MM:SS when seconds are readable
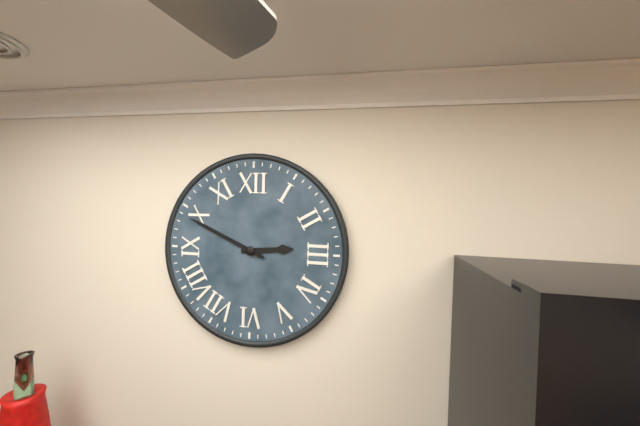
**2:49**
